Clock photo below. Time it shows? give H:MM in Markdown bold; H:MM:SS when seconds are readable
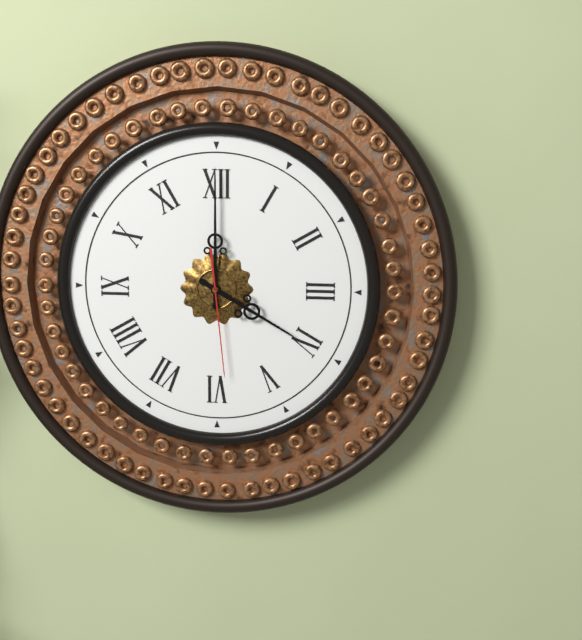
**4:00:29**
